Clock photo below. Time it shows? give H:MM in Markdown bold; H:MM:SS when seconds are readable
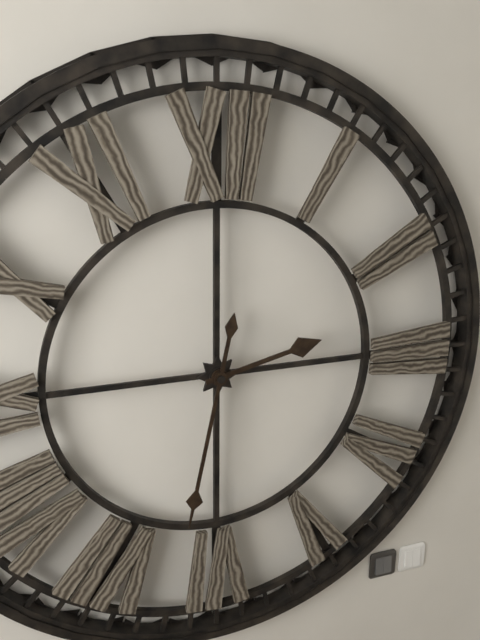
**2:32**
